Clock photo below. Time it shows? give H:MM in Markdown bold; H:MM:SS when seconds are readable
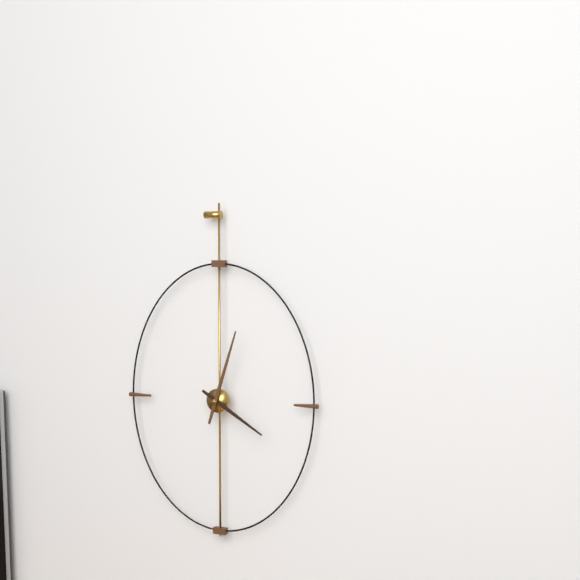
**4:03**
